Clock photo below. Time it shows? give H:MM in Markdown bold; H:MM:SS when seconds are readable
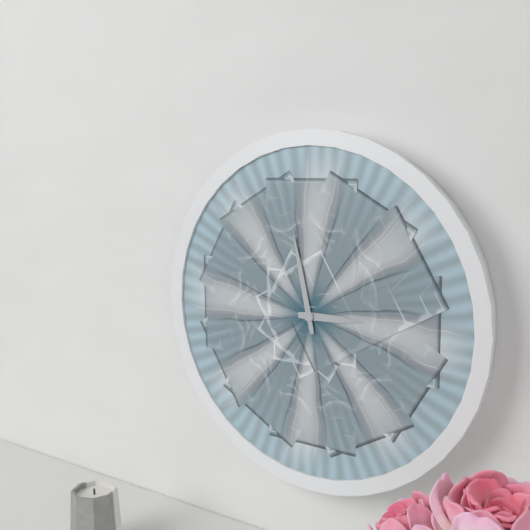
**2:58**
